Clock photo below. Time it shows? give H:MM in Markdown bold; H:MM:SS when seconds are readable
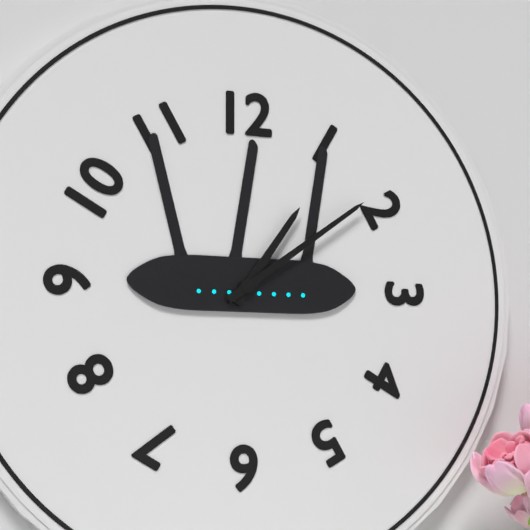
**1:09**
